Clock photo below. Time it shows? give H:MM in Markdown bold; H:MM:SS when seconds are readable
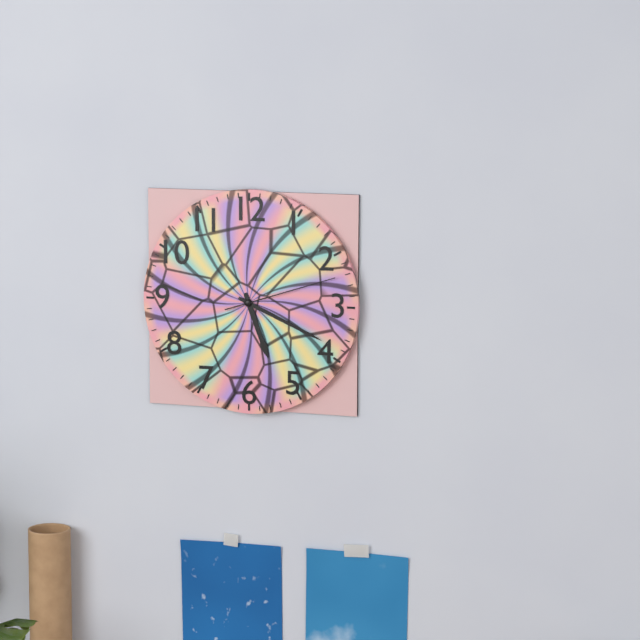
**5:19:12**
